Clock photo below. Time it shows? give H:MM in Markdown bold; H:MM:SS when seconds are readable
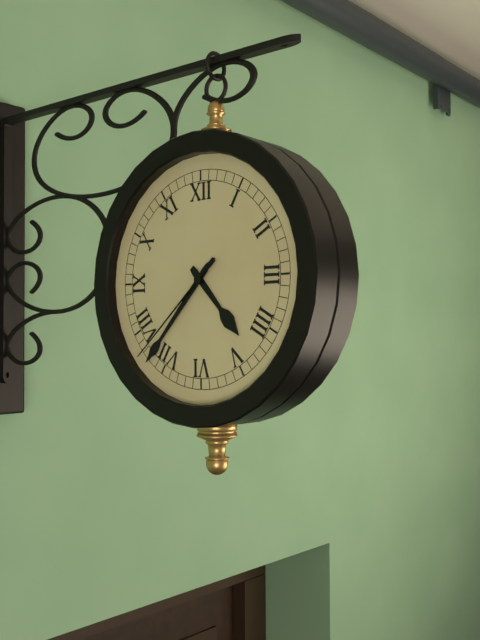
**4:37:38**
